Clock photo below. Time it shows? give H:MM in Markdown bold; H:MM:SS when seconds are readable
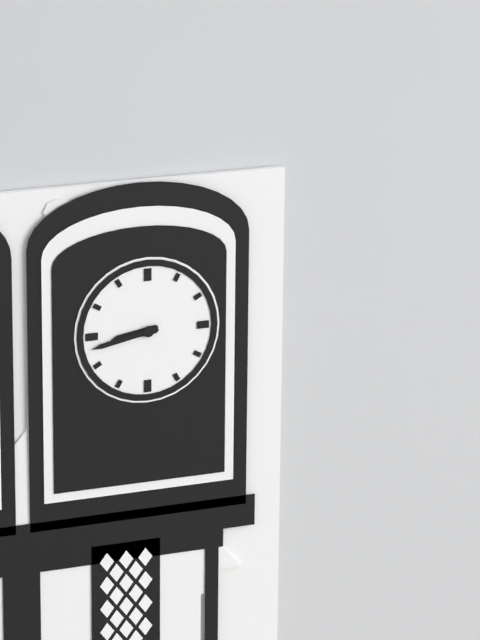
**8:43**
